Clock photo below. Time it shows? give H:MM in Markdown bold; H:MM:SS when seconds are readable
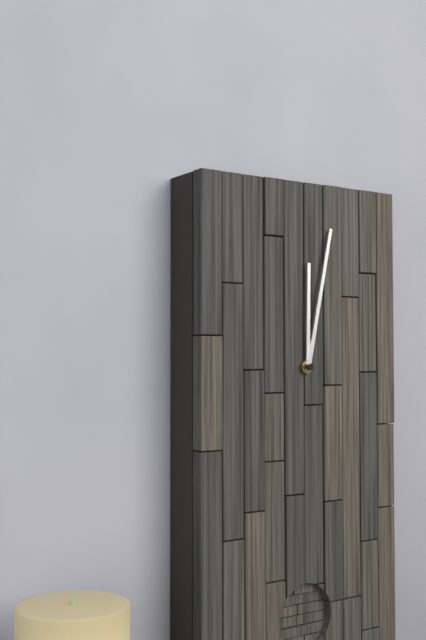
**12:02**
